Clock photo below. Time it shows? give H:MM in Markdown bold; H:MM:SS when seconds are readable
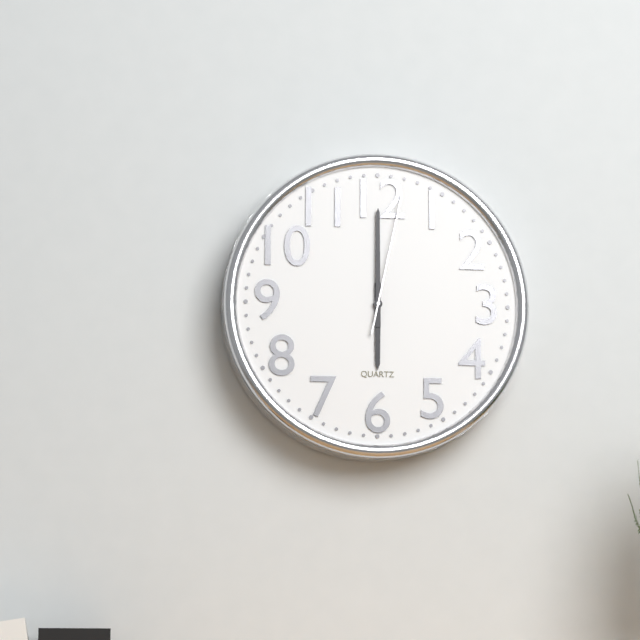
**6:00:02**
